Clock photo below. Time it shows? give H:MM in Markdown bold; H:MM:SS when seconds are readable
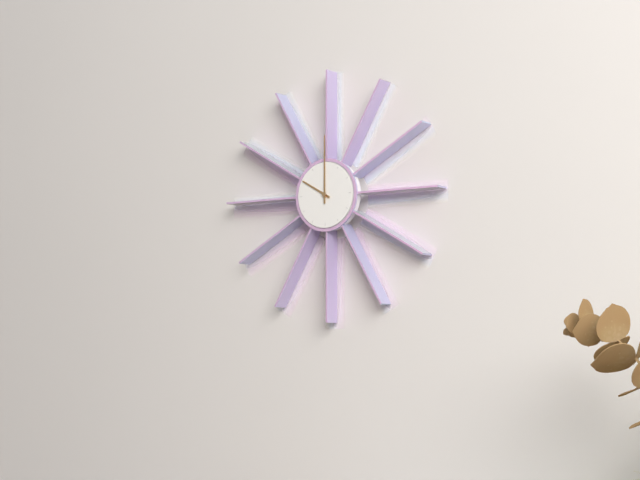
**10:00**
